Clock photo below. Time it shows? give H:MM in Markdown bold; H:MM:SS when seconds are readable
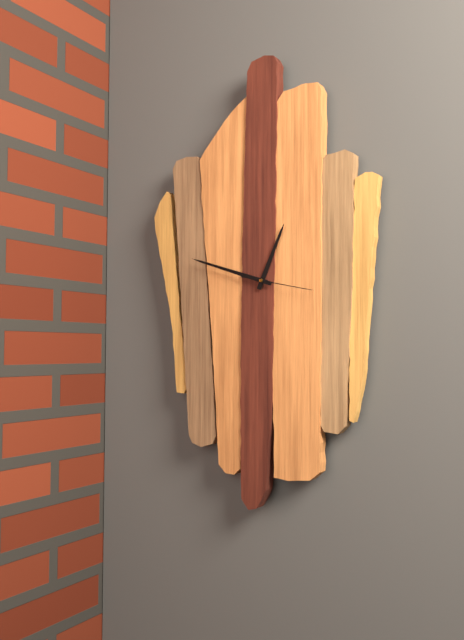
**12:48:17**
